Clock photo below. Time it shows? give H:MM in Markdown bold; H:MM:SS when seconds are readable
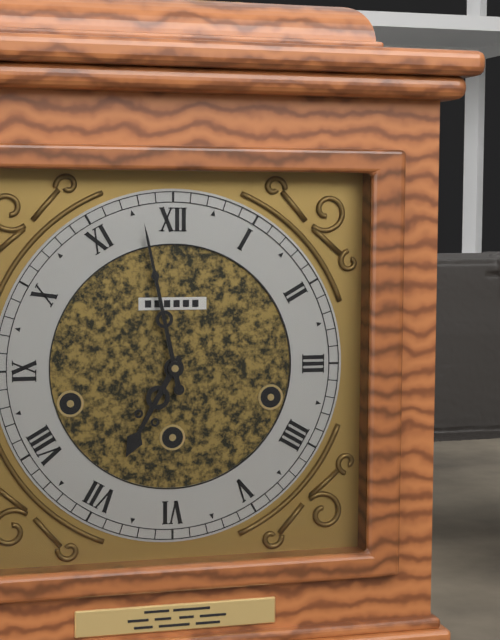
**6:58**
